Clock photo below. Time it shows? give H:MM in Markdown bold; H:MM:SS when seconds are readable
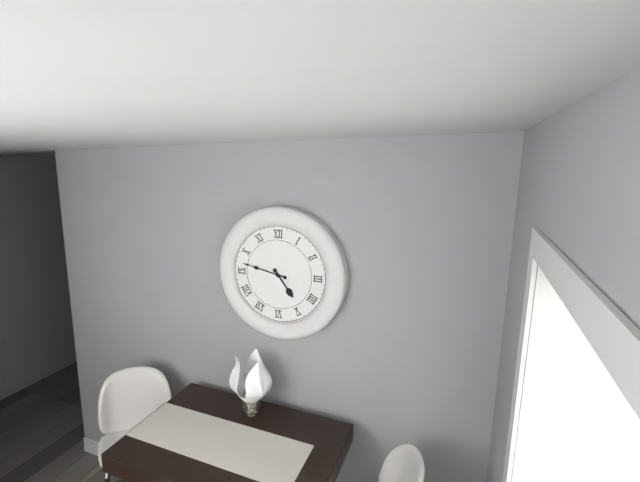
**4:47**
